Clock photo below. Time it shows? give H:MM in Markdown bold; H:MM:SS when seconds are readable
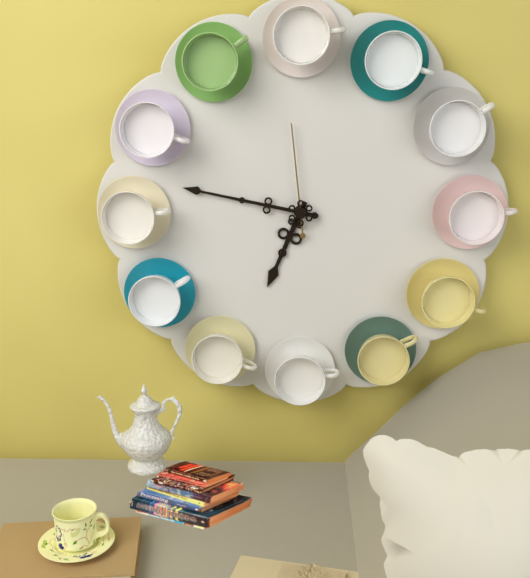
**6:47:59**
